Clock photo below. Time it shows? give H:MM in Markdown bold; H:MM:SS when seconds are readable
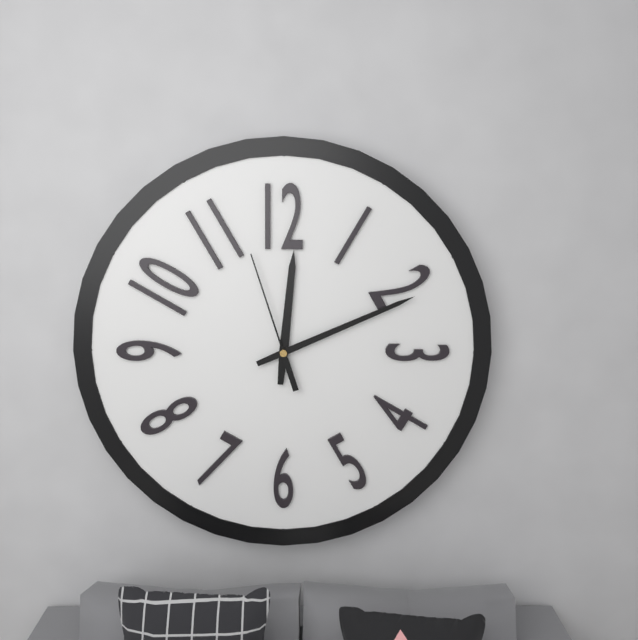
**12:11:57**
